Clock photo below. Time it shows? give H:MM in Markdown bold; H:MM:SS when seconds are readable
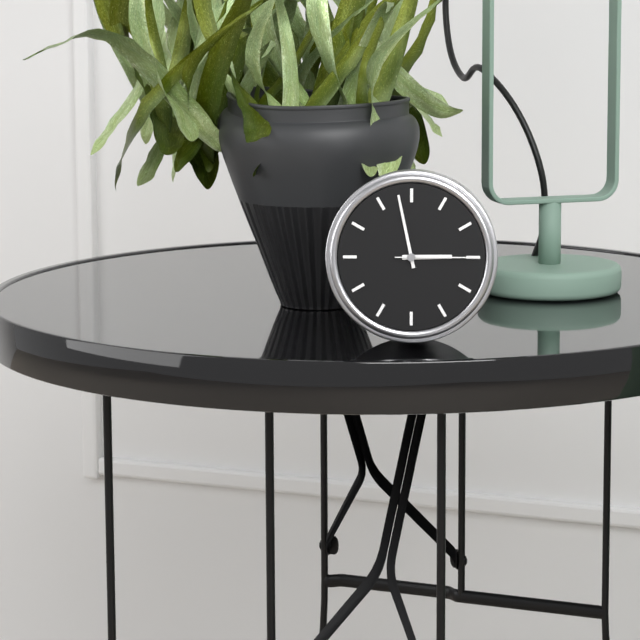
**2:58:15**
